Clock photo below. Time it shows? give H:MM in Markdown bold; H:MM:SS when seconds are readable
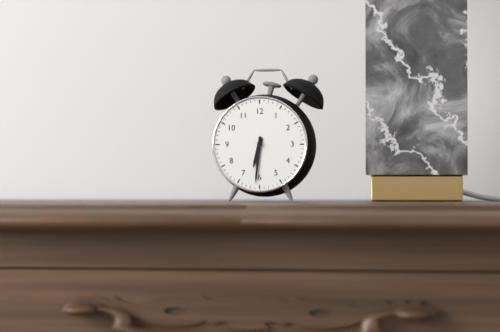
**6:31**
